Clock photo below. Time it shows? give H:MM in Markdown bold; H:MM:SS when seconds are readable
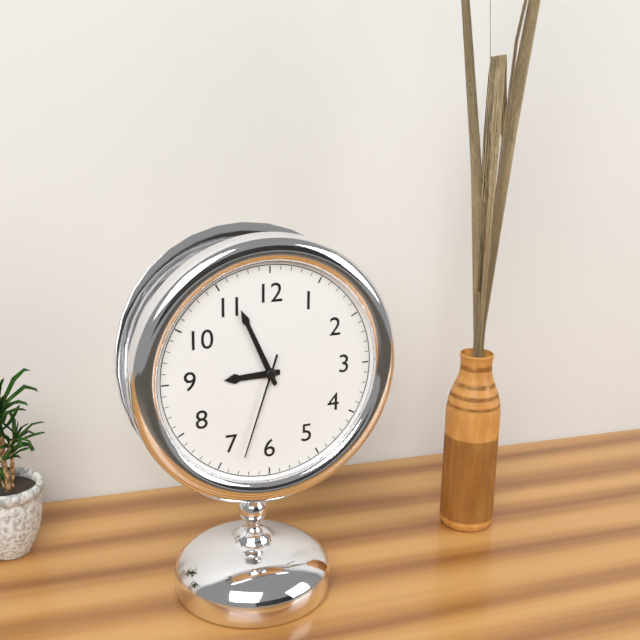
**8:56:33**
